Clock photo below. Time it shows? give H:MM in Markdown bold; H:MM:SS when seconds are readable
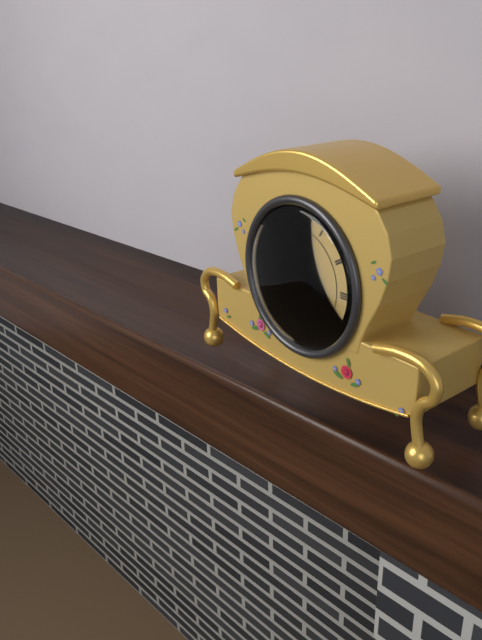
**8:29**
